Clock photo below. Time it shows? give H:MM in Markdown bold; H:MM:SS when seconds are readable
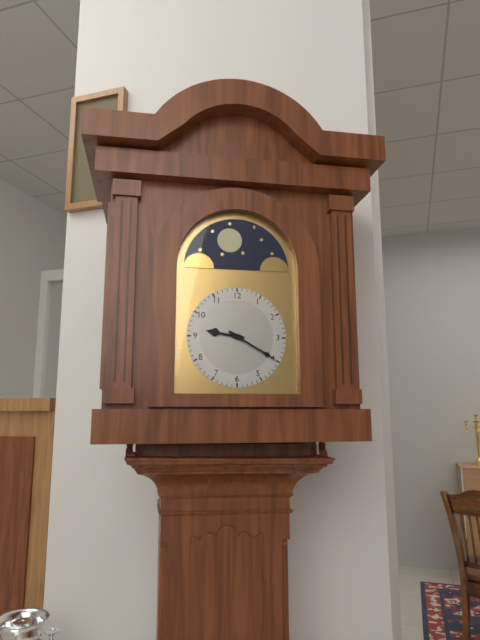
**9:20**
